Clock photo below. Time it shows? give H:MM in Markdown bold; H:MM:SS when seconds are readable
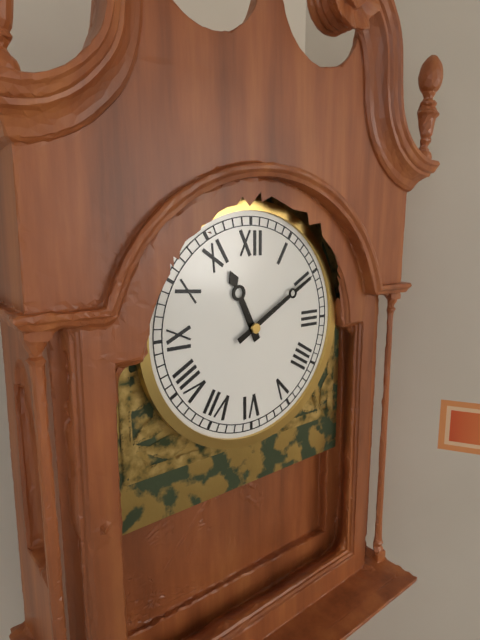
**11:10**
